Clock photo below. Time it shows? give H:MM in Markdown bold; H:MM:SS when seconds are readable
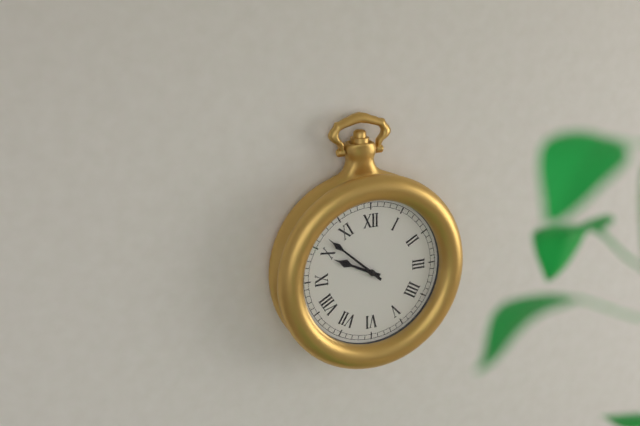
**9:52**
